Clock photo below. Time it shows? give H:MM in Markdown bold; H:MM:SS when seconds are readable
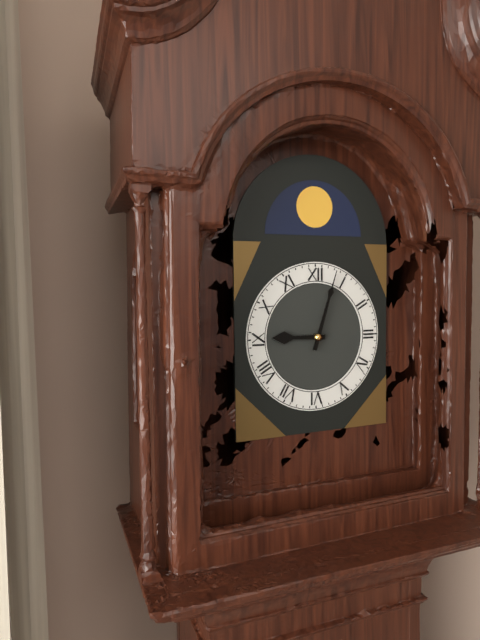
**9:03**
